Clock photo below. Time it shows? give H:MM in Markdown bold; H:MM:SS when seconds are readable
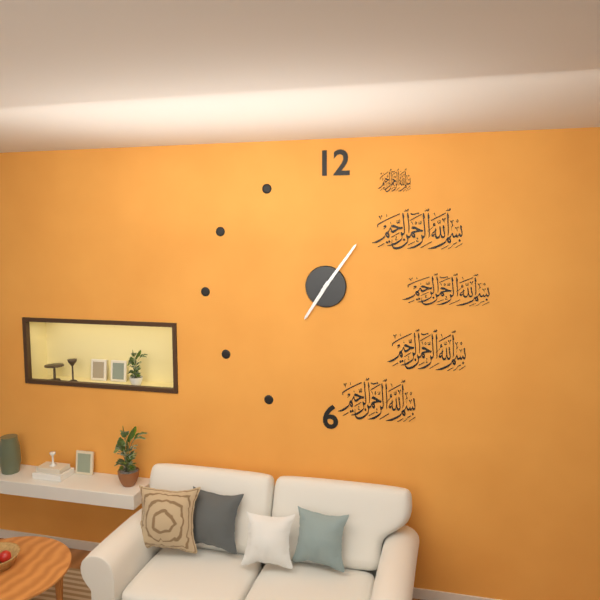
**7:06**
